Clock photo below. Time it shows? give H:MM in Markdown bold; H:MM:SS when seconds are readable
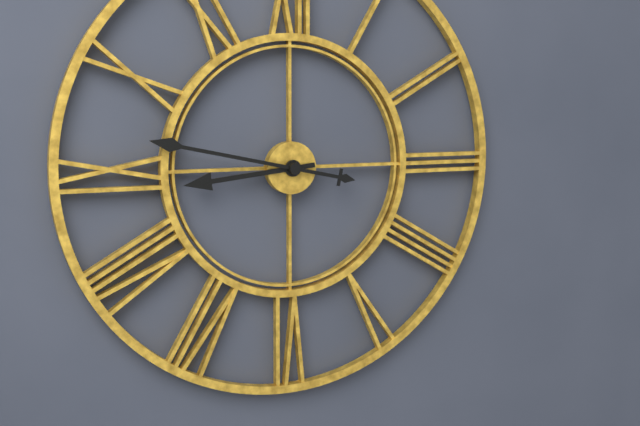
**8:47**
